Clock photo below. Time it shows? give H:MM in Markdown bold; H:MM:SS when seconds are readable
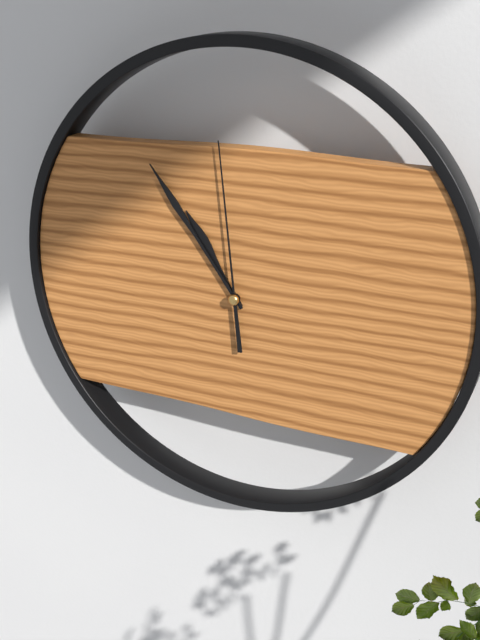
**10:54:59**
